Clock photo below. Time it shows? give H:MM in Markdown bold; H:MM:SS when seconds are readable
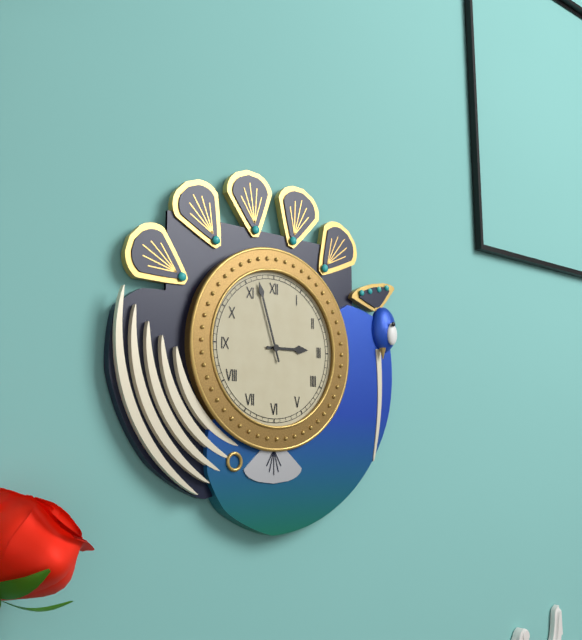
**2:57**
